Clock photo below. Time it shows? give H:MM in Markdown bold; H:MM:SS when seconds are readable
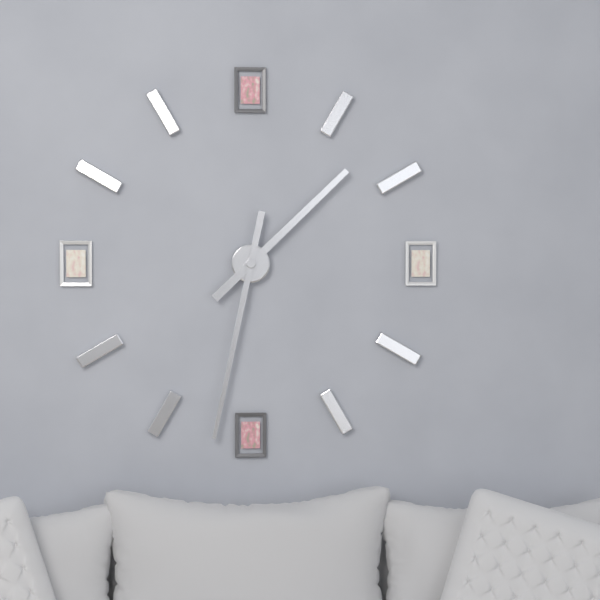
**1:32**
